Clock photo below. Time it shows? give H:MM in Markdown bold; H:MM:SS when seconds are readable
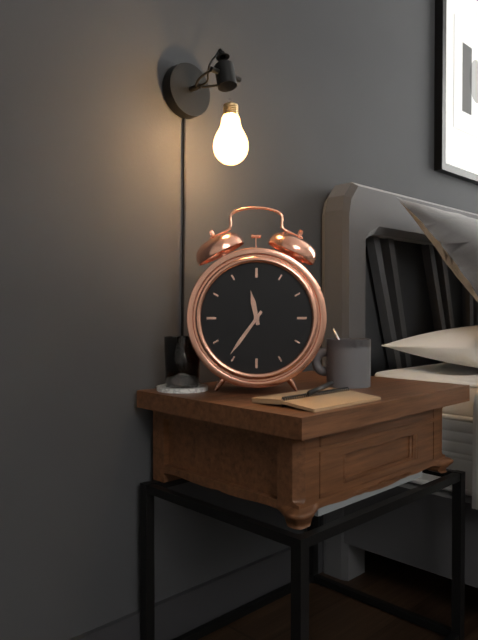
**11:36**
